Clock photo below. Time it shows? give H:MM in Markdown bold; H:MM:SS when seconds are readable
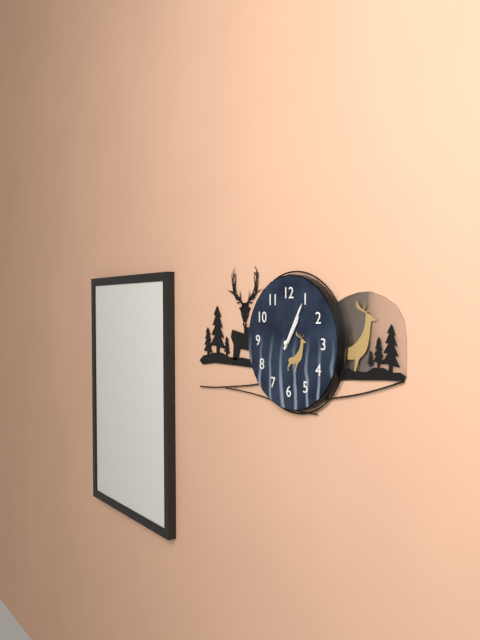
**1:05**
